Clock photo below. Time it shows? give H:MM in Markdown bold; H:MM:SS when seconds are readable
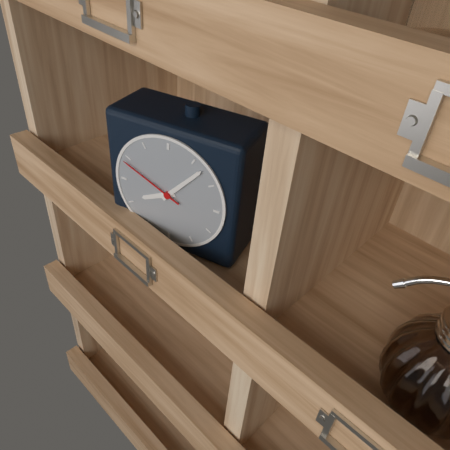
**8:07:49**
